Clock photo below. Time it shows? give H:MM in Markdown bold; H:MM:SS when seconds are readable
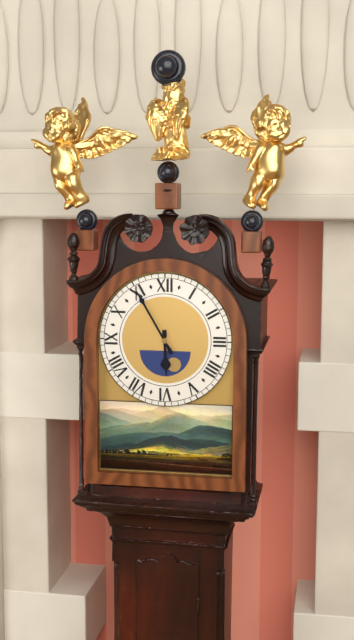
**5:55**
